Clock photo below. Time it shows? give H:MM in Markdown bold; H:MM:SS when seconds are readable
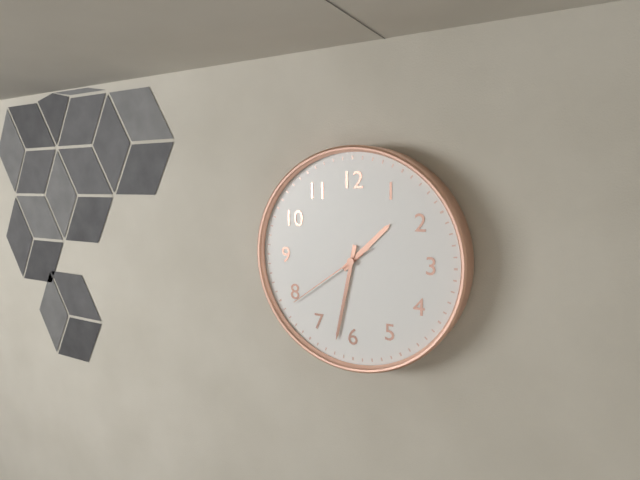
**1:32:39**
